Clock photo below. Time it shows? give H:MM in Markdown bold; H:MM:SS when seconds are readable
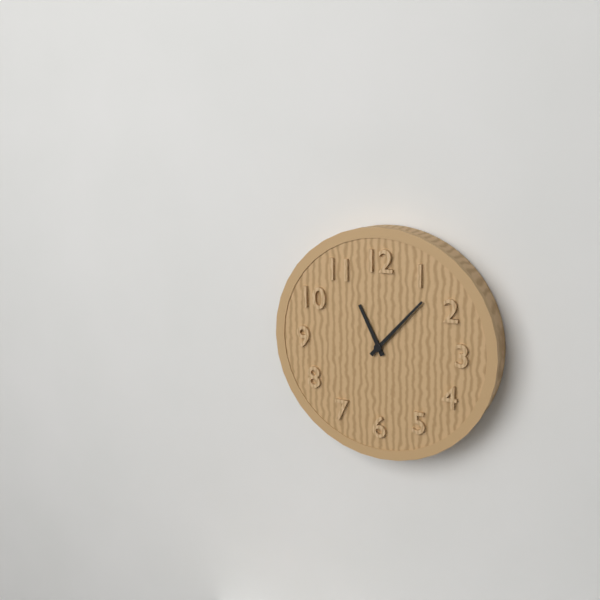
**11:07**
